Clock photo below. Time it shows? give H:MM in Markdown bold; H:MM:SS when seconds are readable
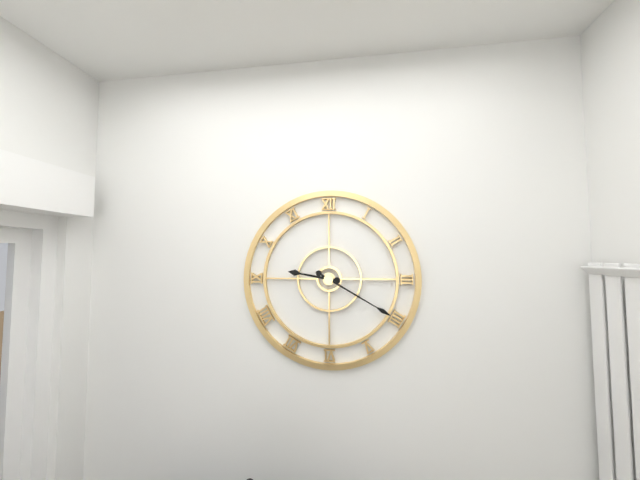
**9:20**
